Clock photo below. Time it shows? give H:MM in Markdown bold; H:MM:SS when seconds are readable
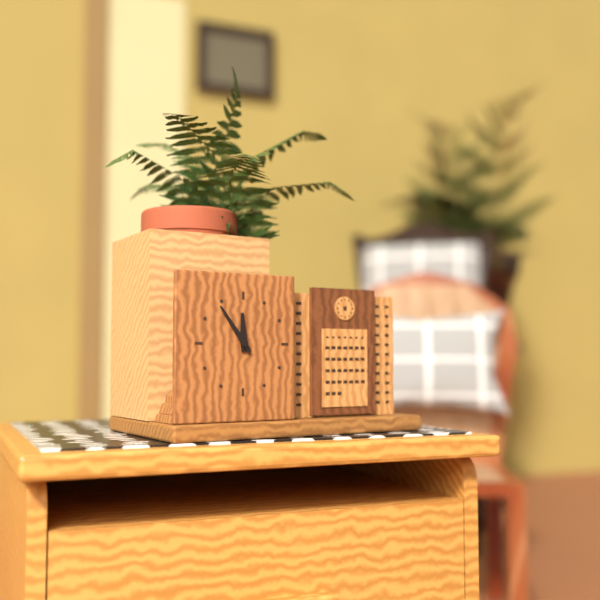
**11:54**
